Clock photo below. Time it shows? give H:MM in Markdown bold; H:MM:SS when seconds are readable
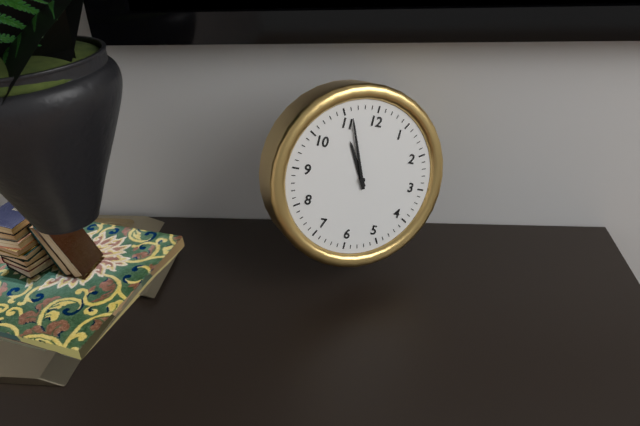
**10:56**
